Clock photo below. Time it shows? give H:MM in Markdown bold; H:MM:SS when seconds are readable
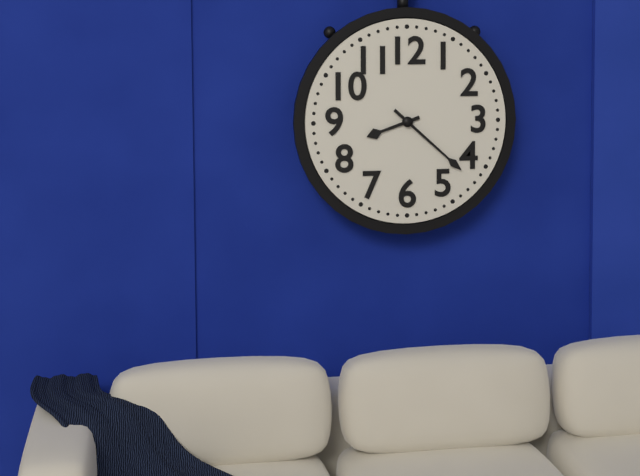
**8:22**
